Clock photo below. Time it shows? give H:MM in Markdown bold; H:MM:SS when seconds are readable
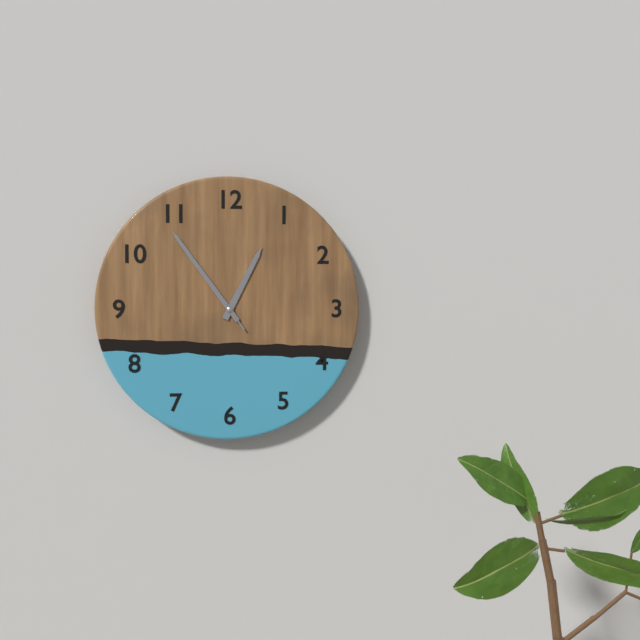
**12:54:54**
